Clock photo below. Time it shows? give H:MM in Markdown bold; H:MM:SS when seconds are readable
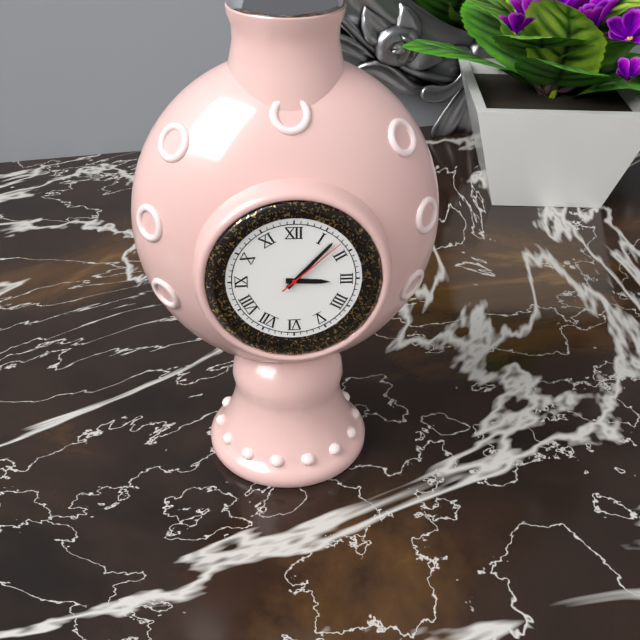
**3:07:08**
